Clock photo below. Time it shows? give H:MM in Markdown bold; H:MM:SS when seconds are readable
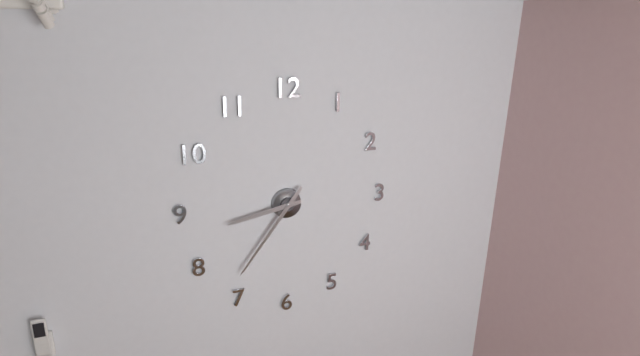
**8:36**
